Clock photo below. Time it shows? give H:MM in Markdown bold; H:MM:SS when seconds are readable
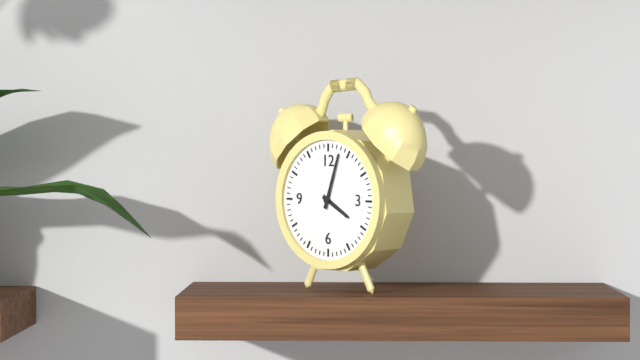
**4:03**
